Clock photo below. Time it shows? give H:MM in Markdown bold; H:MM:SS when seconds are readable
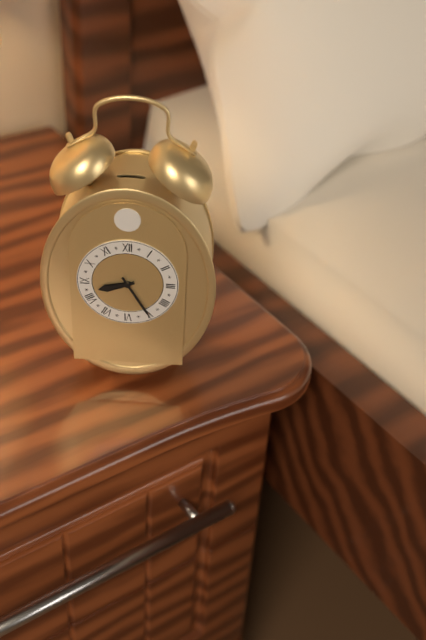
**8:25**
